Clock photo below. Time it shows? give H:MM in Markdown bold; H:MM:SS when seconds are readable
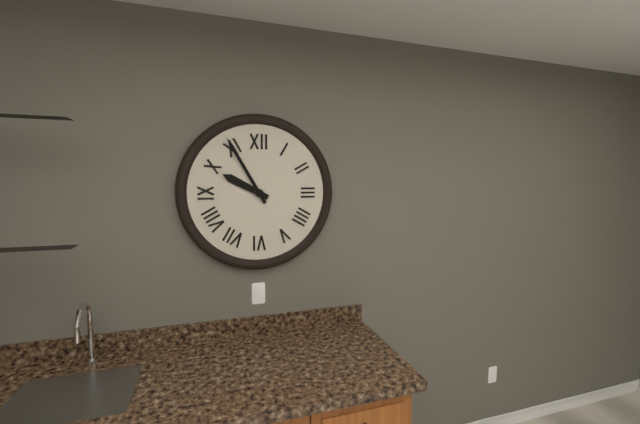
**9:55**
